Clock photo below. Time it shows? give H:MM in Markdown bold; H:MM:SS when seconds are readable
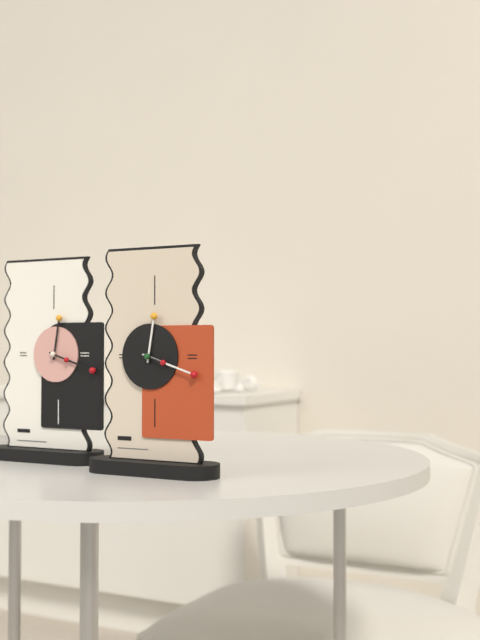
**12:18**
